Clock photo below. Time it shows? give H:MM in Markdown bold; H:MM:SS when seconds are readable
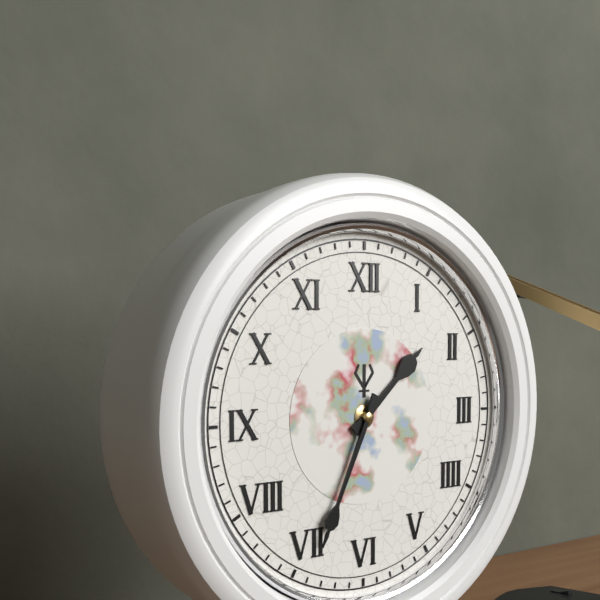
**1:34**
